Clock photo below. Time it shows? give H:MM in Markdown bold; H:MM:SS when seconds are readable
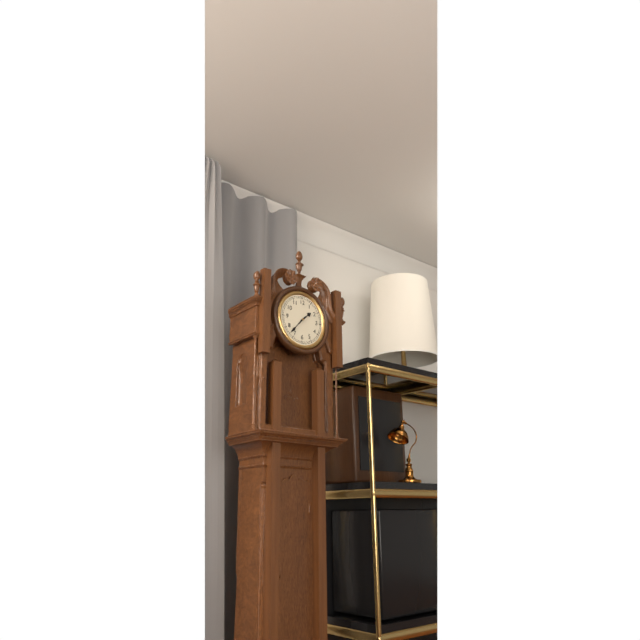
**1:37**
